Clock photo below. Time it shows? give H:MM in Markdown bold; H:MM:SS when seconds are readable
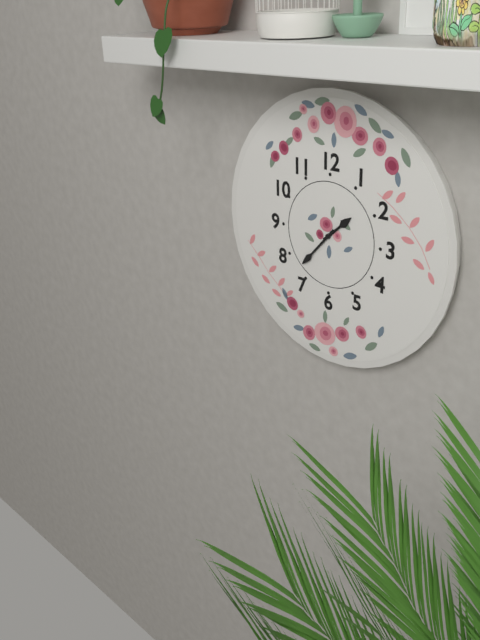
**1:37**
